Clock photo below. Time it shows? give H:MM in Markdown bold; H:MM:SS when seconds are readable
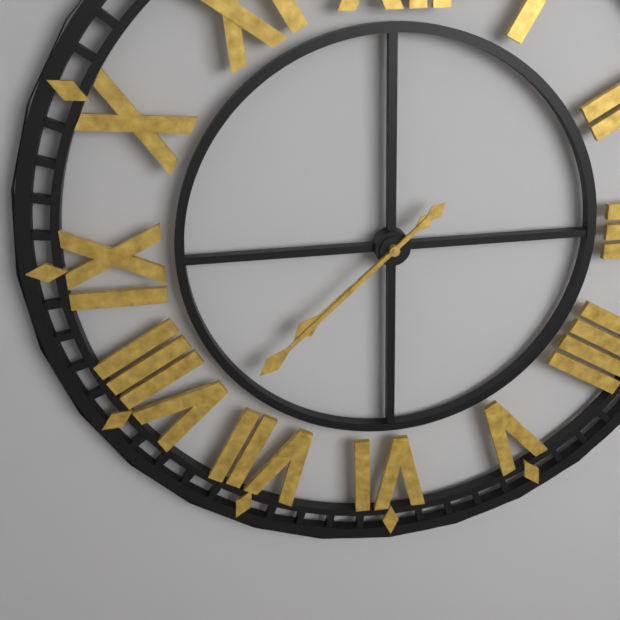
**7:38**
